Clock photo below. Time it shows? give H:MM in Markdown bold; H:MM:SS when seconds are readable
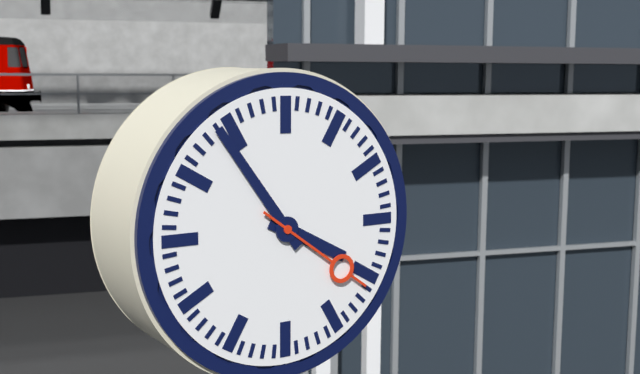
**3:54:21**
